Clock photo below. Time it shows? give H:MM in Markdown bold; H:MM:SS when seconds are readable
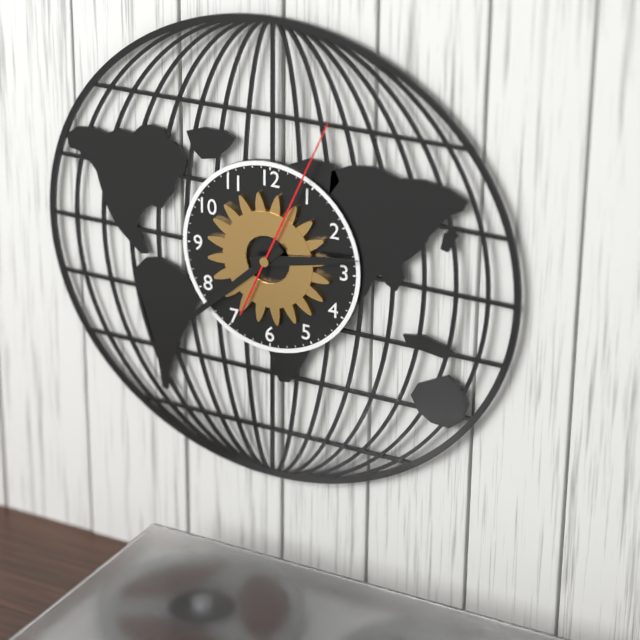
**2:38:04**
